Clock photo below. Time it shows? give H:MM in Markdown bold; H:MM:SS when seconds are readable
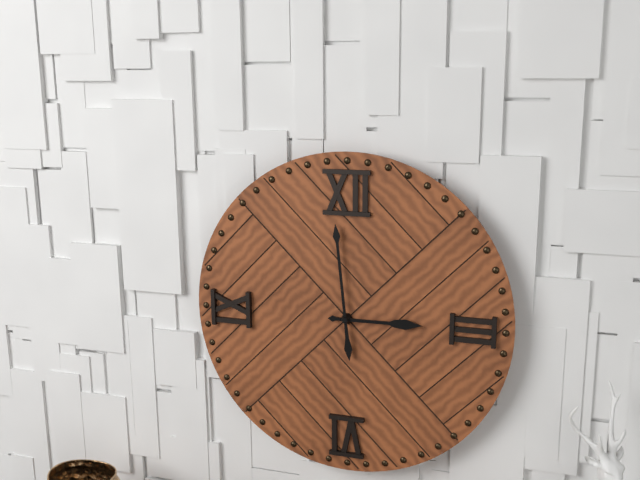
**2:59**
